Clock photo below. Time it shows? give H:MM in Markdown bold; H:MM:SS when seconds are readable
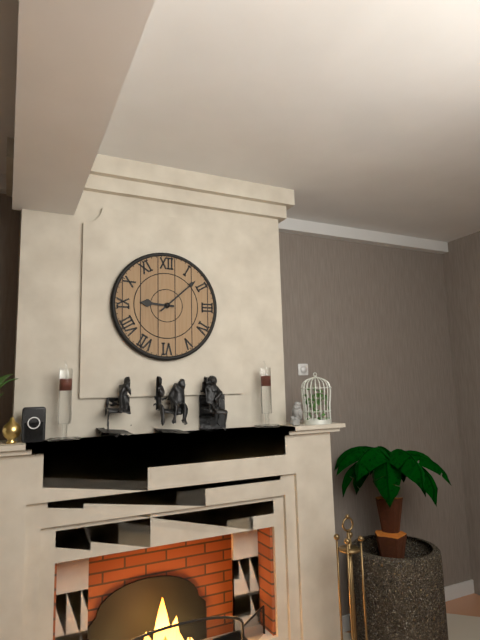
**9:08**
